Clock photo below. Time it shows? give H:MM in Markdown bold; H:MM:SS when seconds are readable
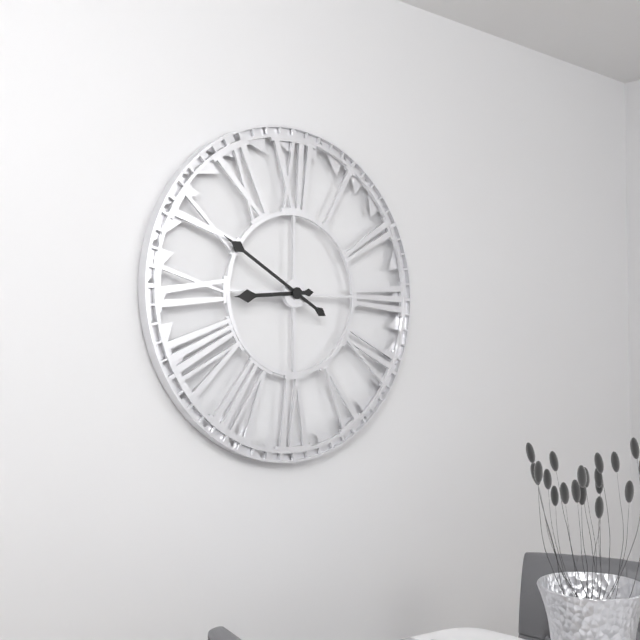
**8:50**
